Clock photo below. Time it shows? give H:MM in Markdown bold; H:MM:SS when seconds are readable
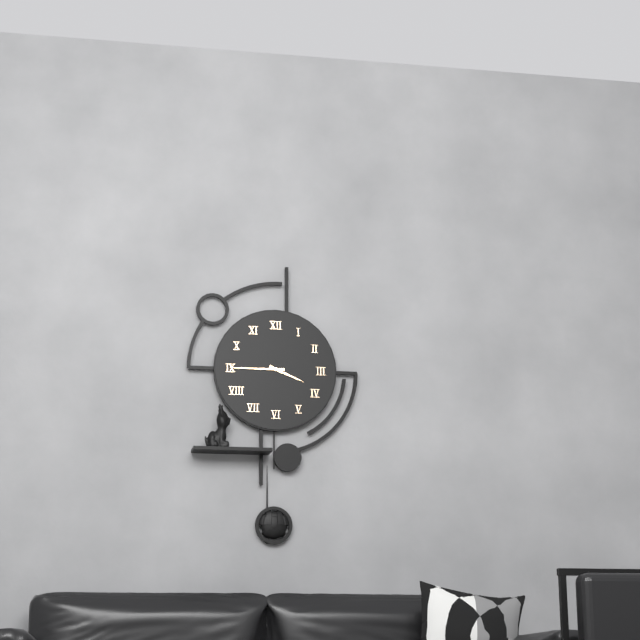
**3:45**
